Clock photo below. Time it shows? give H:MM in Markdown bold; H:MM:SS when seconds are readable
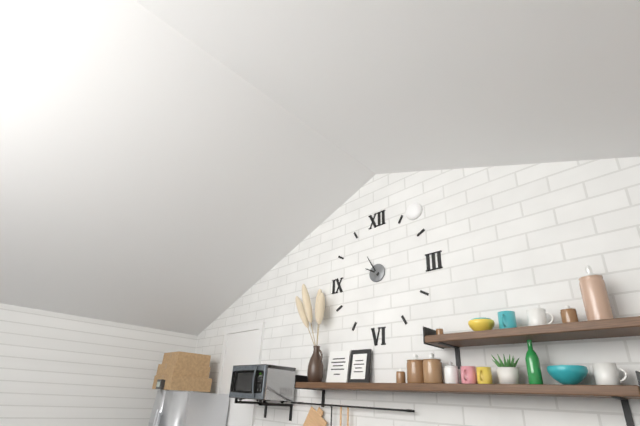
**9:55**
